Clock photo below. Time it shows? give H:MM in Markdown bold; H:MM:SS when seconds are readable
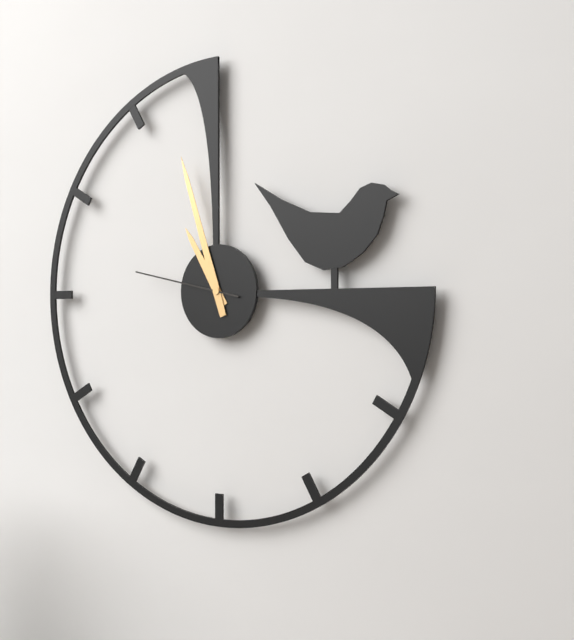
**10:57:47**
